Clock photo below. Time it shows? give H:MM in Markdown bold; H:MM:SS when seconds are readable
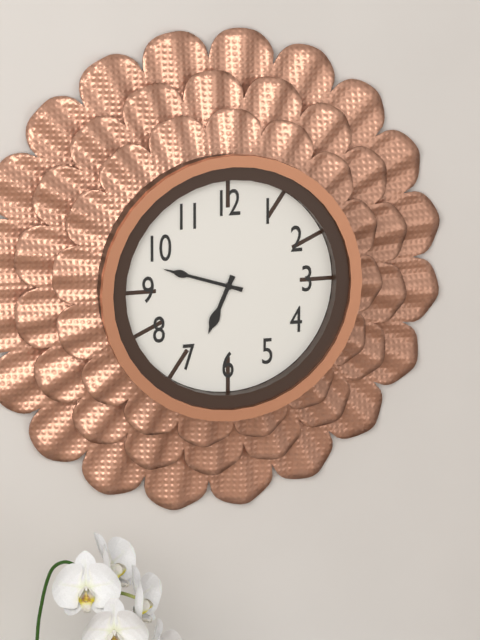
**6:48**
